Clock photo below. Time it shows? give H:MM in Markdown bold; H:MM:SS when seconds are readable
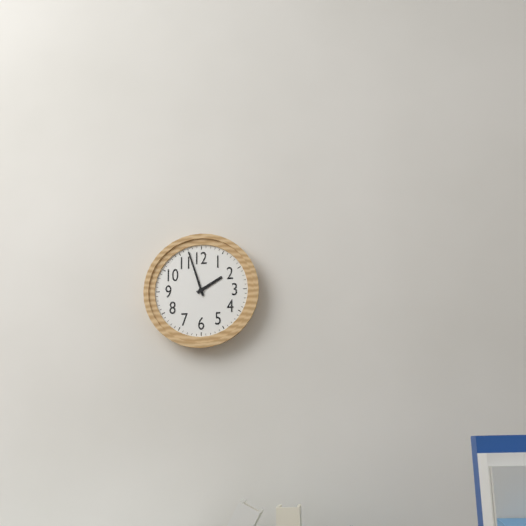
**1:57**
